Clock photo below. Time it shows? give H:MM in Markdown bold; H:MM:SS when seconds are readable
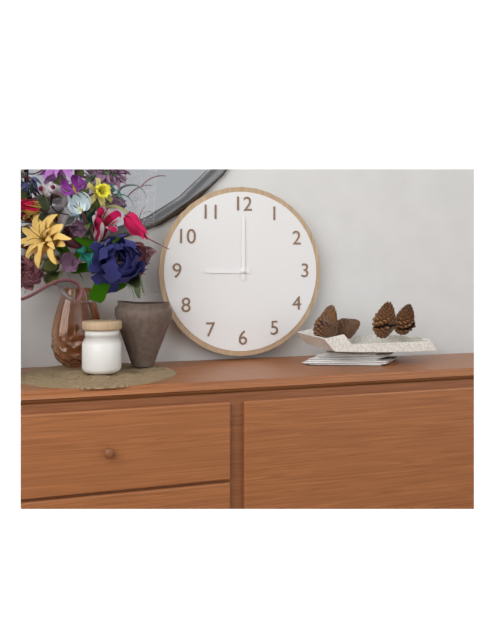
**9:00**
